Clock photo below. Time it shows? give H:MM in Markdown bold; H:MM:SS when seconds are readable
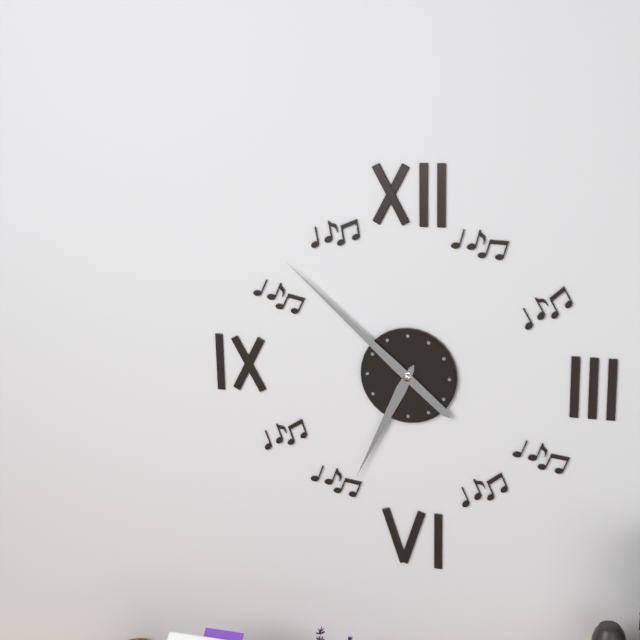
**6:52**
